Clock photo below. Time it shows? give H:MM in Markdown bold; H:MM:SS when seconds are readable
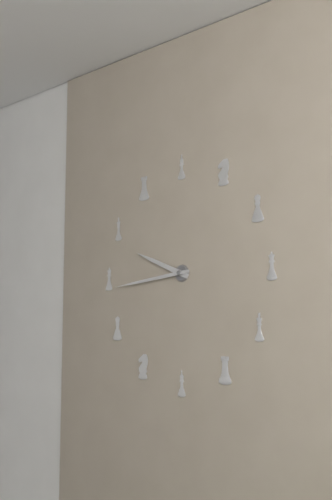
**9:44**
